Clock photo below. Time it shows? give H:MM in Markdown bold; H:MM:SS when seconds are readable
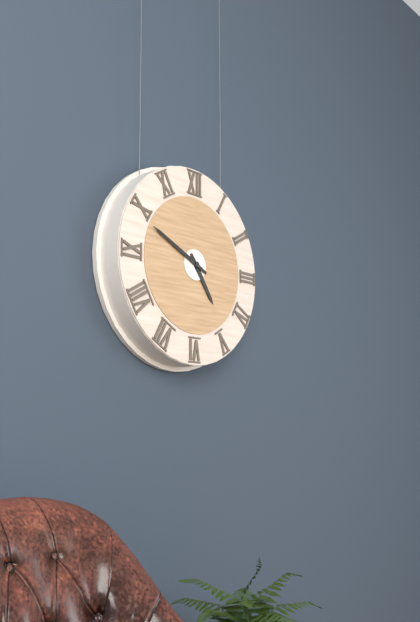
**4:49**
